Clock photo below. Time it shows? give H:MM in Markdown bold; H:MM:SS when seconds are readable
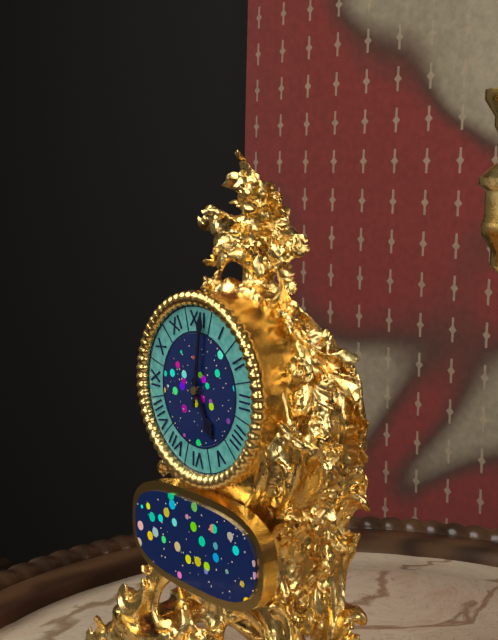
**5:01**
